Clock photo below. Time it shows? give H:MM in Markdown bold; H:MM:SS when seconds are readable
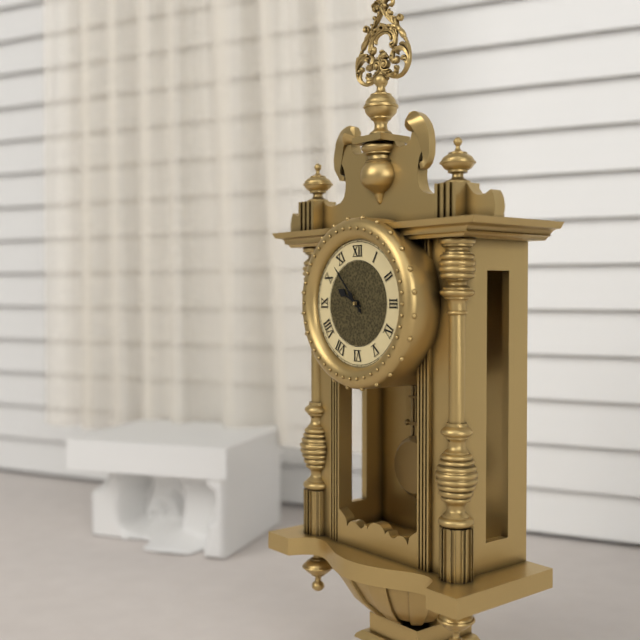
**9:53**
